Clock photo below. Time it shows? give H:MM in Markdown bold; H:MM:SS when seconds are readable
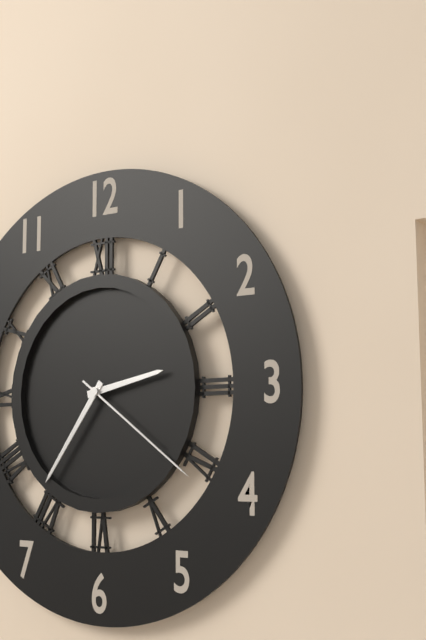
**2:36:21**
